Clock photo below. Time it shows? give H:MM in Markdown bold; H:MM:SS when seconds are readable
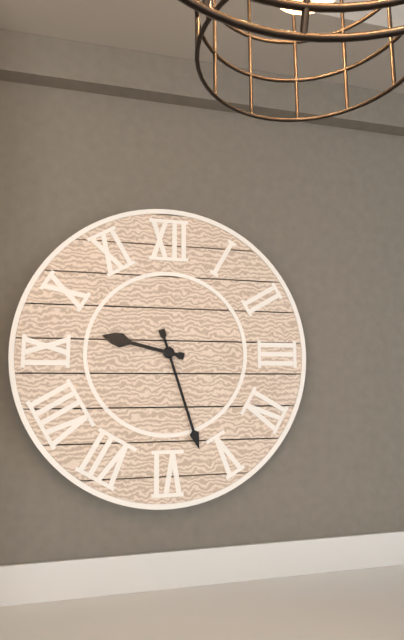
**9:27**
